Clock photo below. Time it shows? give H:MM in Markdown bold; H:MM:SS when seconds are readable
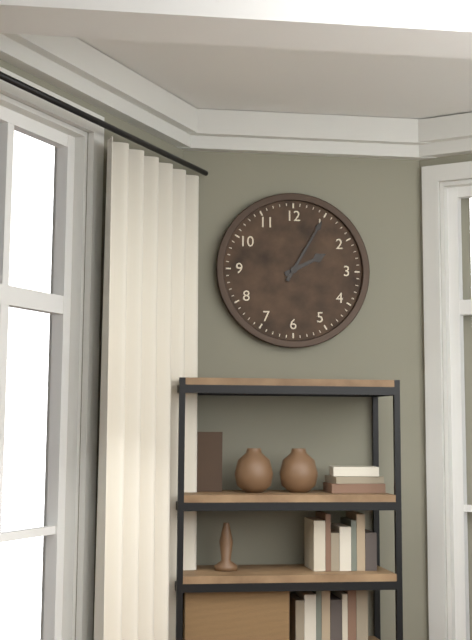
**2:05**
